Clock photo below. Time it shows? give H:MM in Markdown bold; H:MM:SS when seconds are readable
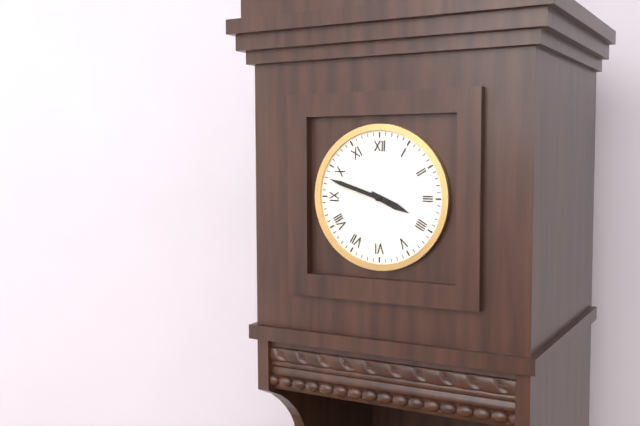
**3:48**
